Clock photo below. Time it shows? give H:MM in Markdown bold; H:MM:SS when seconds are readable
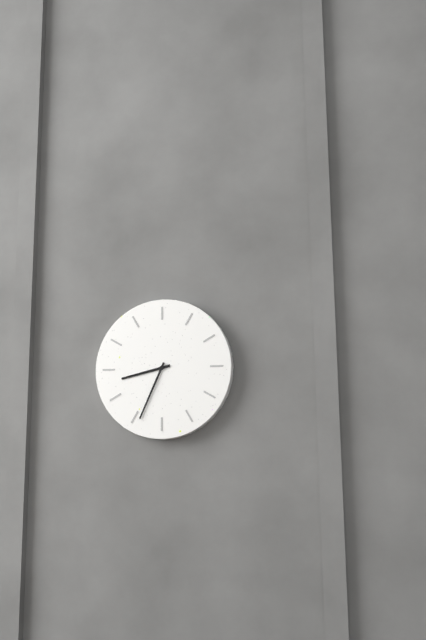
**8:34**
